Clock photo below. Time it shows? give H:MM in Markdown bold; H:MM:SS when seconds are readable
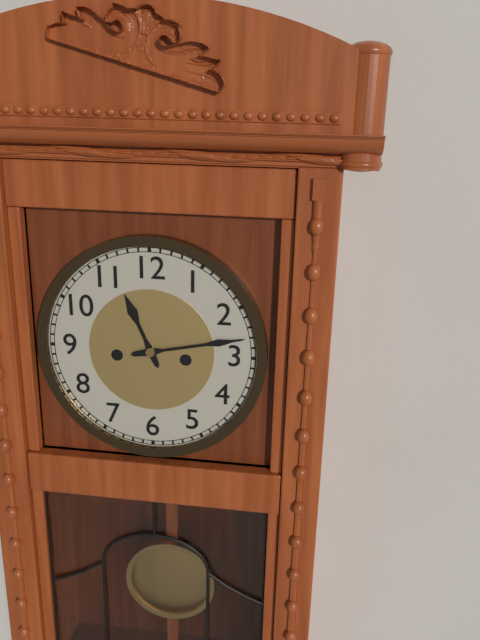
**11:13**
